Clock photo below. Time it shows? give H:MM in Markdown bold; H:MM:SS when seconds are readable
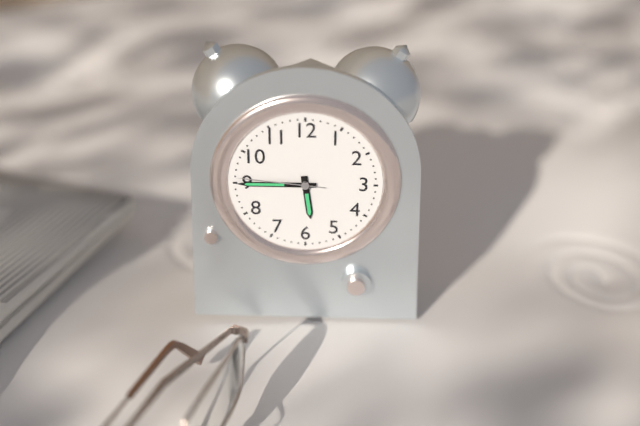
**5:45:46**
